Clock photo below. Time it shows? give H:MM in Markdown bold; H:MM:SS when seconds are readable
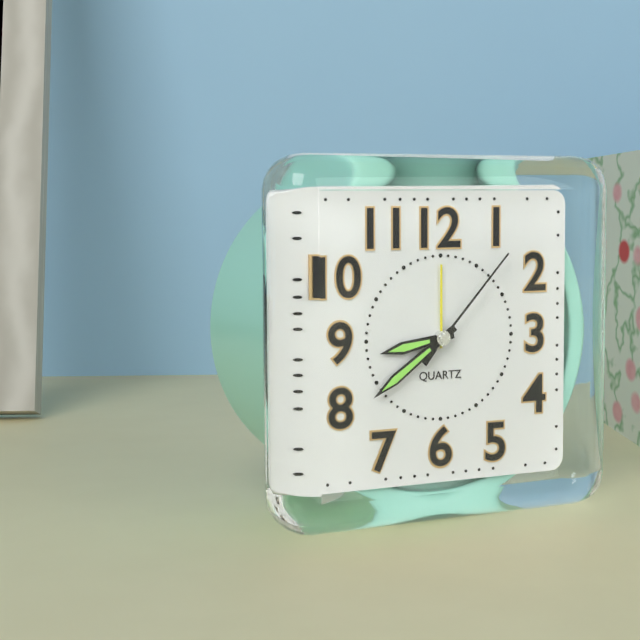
**8:39:07**
